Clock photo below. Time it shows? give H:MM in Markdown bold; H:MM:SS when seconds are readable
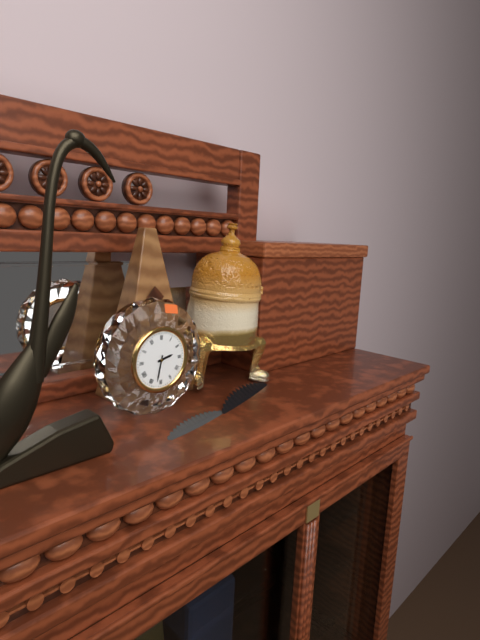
**2:32**
